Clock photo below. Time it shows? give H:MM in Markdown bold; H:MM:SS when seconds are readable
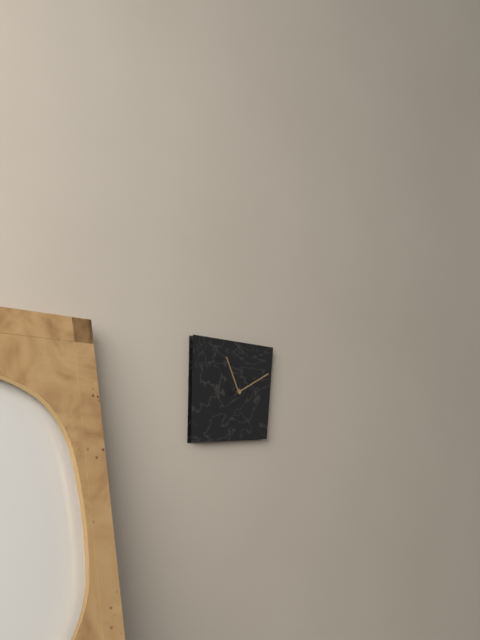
**11:10**
